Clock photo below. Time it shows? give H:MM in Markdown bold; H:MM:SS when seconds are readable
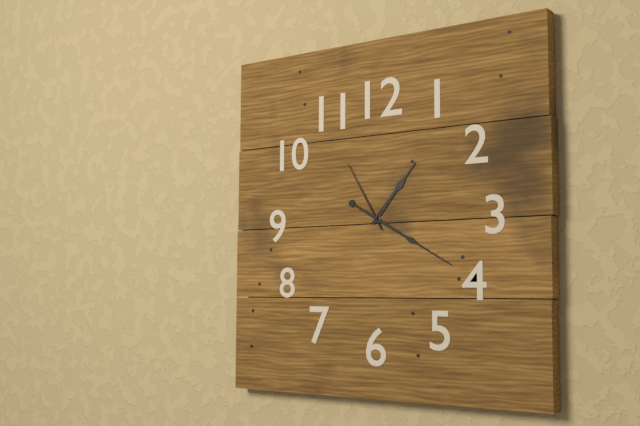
**1:20:55**
